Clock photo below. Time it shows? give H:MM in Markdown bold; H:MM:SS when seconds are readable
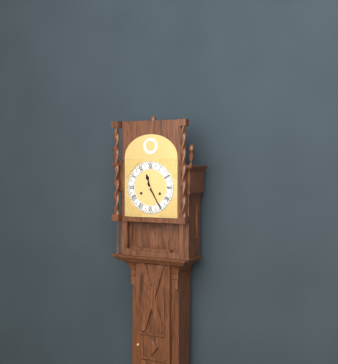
**11:25**
